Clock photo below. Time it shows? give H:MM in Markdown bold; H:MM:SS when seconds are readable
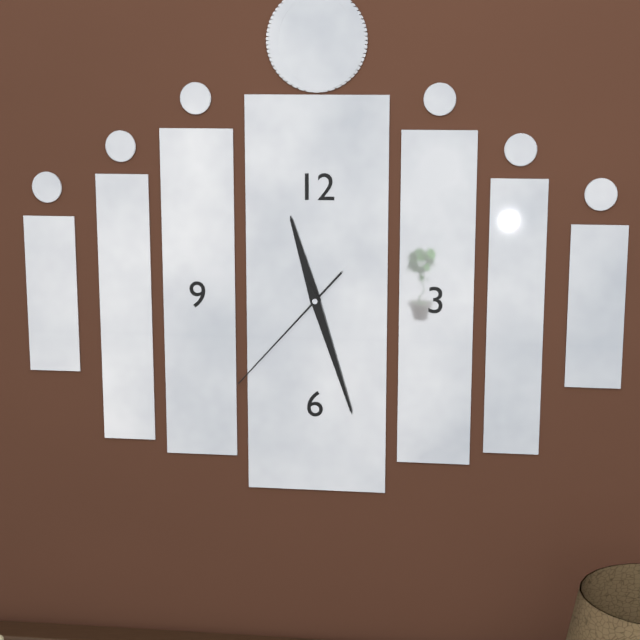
**11:27:37**
